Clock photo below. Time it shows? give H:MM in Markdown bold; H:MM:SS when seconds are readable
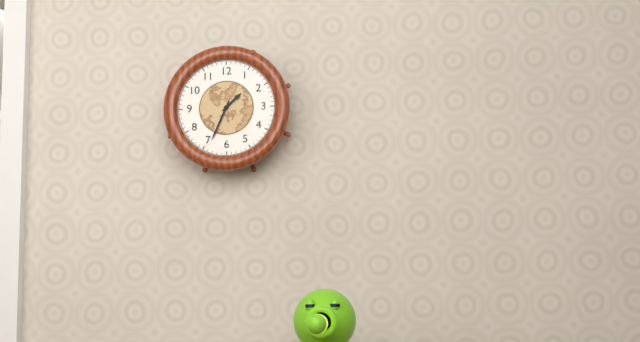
**1:34**
